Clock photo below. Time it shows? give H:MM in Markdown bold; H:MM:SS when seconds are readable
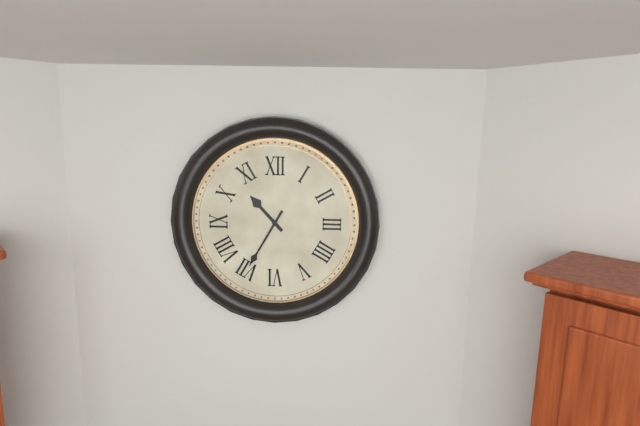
**10:35**
